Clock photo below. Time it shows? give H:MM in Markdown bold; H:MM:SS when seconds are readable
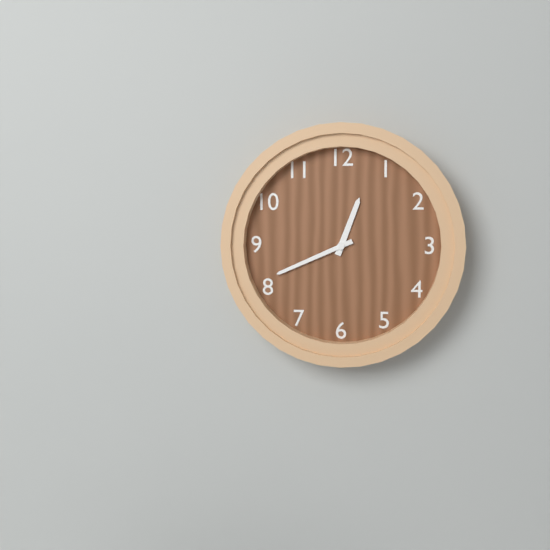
**12:41**
